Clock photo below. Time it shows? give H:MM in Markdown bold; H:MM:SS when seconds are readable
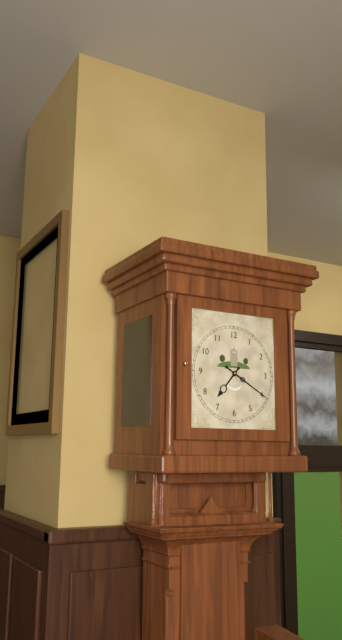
**7:20**
